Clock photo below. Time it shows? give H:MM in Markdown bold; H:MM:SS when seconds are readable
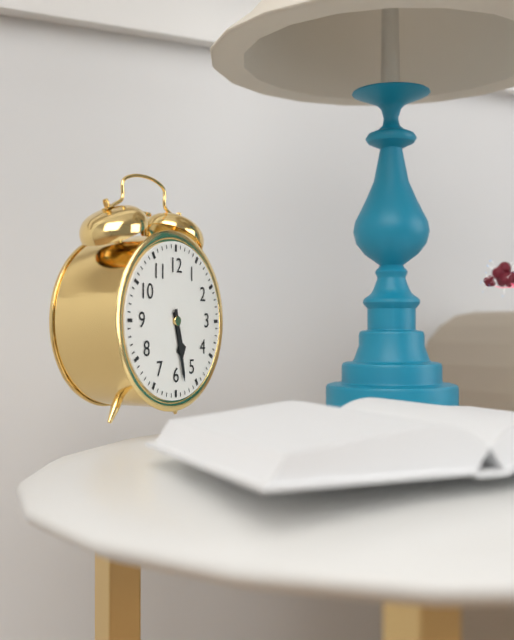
**5:28**
